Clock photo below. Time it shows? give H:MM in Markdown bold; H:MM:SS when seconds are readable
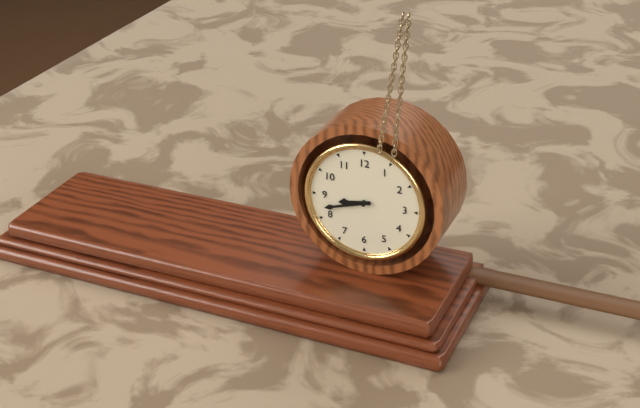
**8:42**
